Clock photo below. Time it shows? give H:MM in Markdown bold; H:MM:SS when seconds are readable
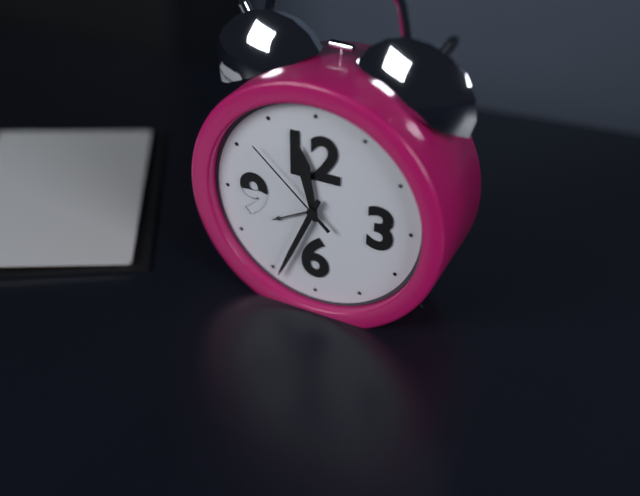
**11:34:52**
